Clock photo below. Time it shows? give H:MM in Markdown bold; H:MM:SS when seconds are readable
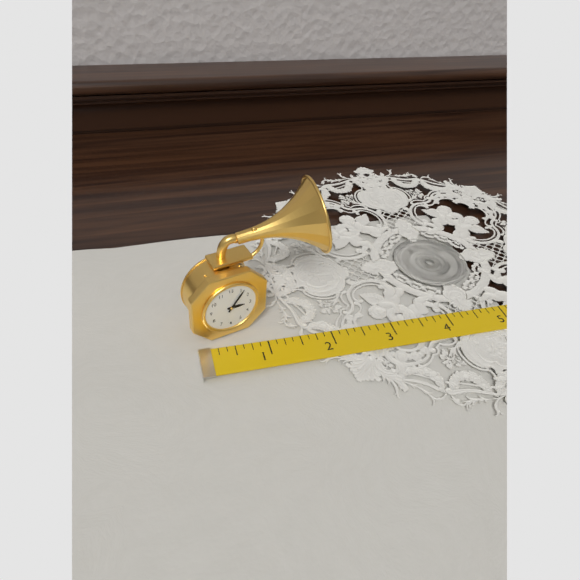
**3:06**
